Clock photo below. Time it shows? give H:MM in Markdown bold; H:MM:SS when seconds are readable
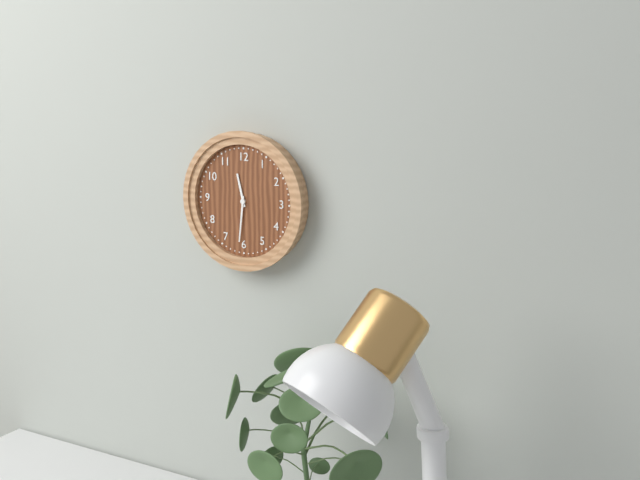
**11:31**
